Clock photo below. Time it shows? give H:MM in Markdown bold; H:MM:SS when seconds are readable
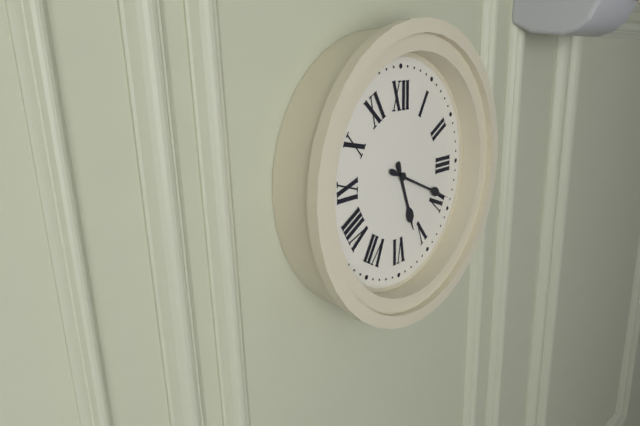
**5:19**
